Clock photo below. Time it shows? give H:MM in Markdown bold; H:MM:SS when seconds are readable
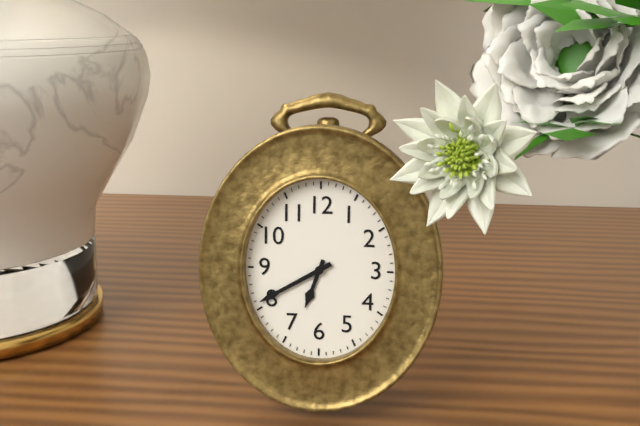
**6:40**
